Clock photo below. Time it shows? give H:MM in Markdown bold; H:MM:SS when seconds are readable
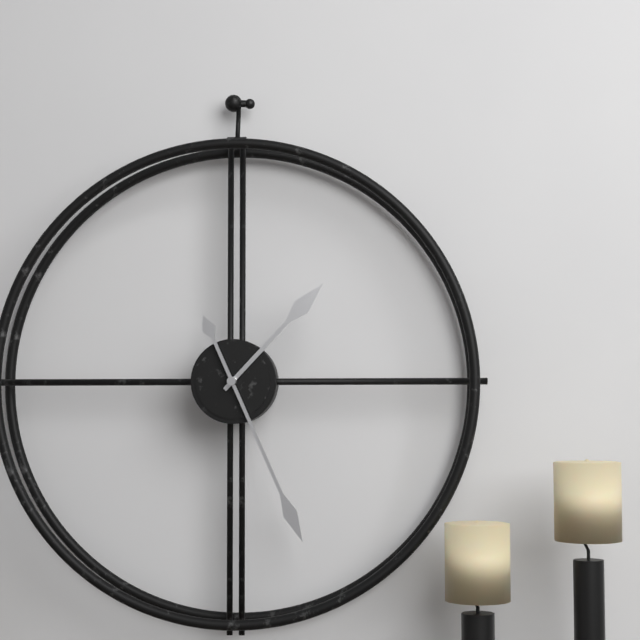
**1:26**
